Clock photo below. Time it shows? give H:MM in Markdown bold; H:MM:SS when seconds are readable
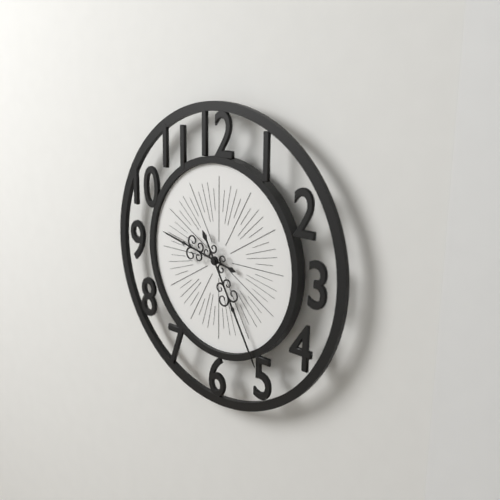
**9:25**
